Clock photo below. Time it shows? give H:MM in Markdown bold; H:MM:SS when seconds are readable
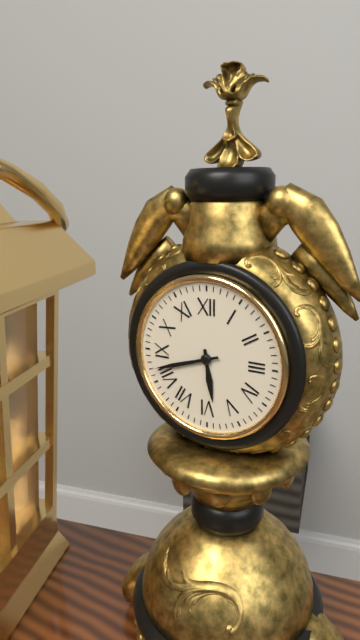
**5:42**
